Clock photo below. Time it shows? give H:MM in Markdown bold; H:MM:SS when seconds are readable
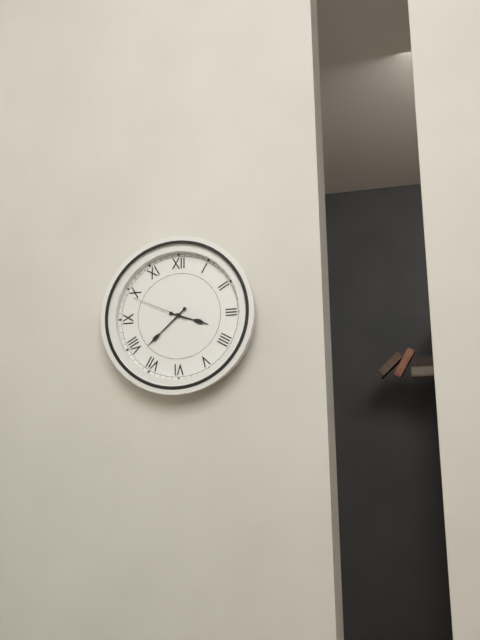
**3:38:49**
